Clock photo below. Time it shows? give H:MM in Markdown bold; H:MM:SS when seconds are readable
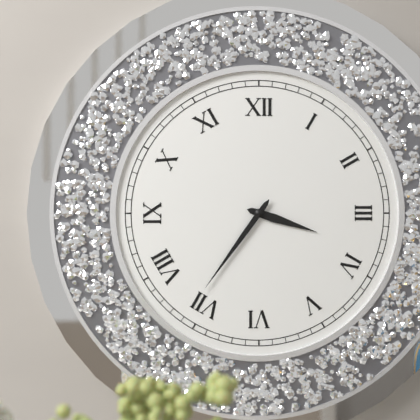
**3:36**
